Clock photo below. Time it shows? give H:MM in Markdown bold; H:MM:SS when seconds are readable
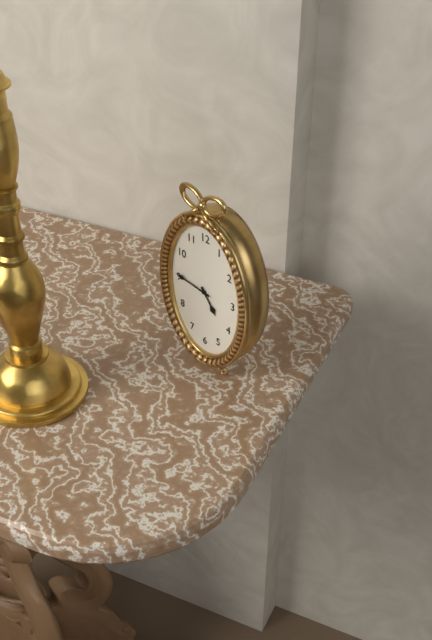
**4:46**
